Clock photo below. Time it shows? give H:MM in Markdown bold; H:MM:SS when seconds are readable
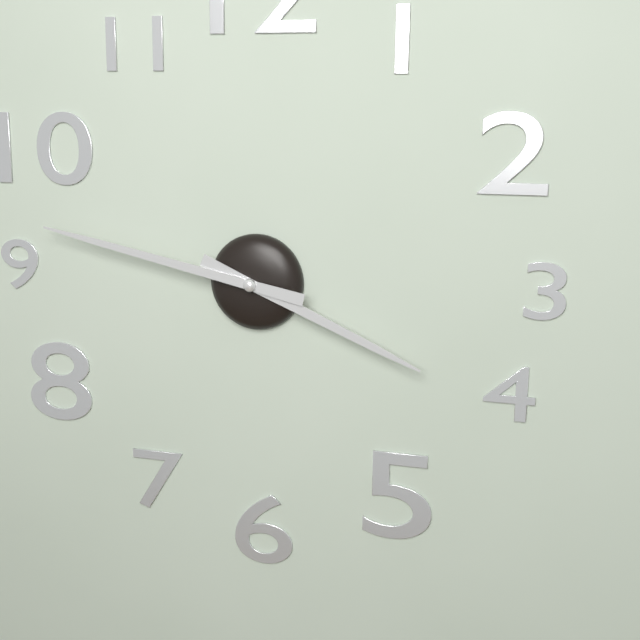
**3:47**
